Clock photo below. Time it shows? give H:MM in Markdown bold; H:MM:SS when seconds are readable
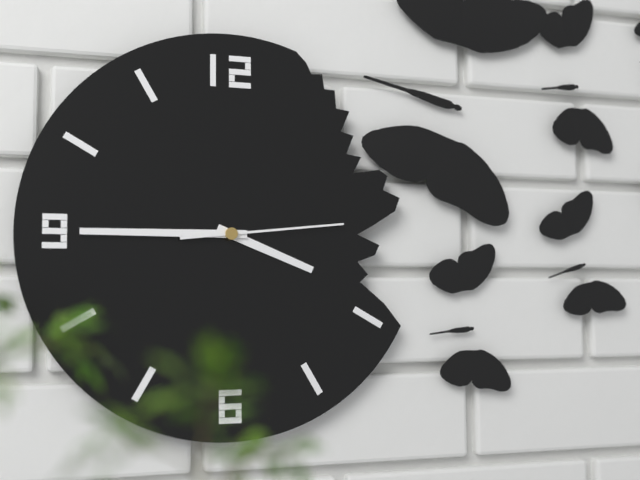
**3:45:14**
